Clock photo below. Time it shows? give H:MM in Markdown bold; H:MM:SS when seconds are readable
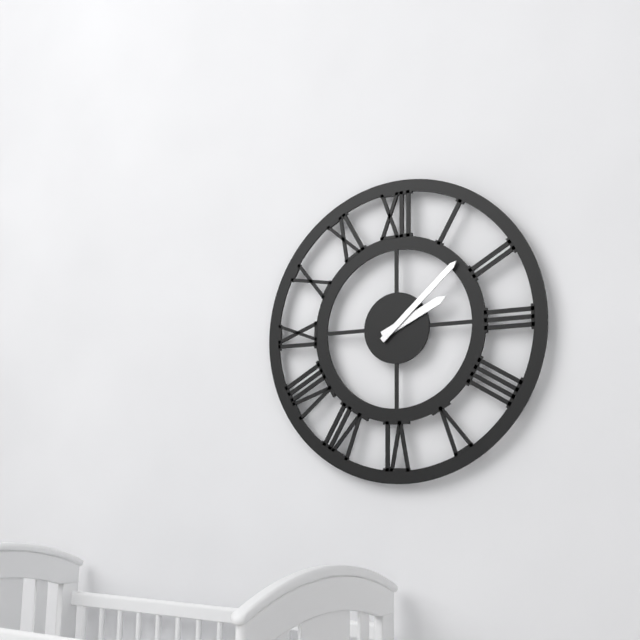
**2:08**
